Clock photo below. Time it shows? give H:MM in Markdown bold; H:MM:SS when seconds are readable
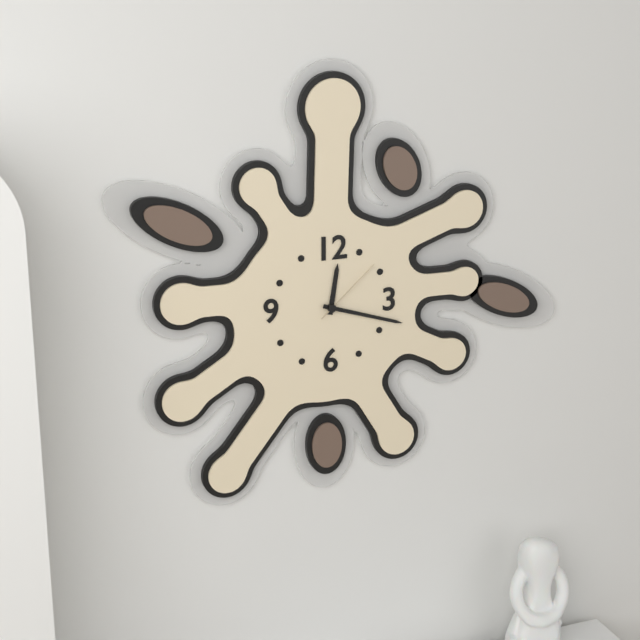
**12:18:08**
